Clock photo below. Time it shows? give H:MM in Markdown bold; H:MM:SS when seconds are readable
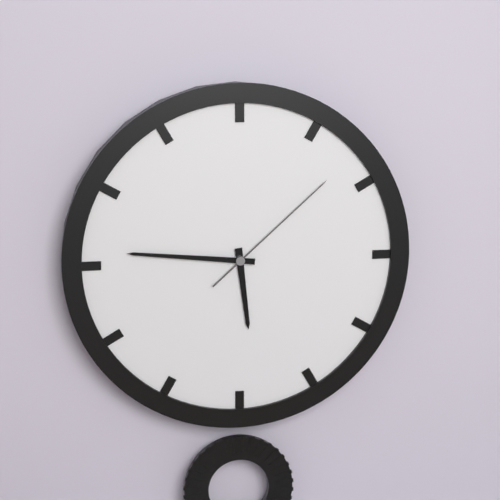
**5:46:08**
